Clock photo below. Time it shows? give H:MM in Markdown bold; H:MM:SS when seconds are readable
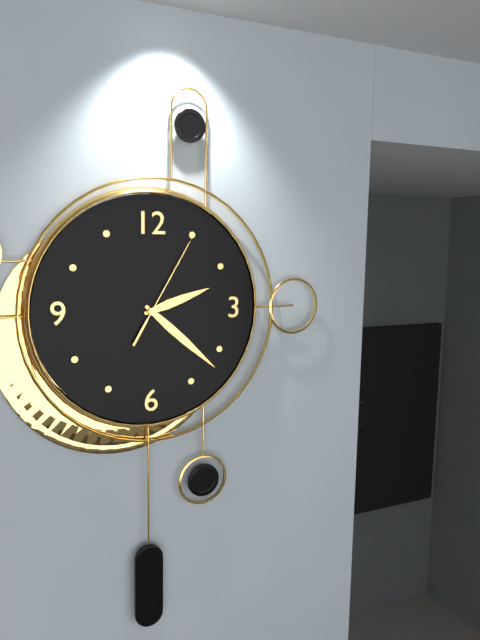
**2:22:05**
